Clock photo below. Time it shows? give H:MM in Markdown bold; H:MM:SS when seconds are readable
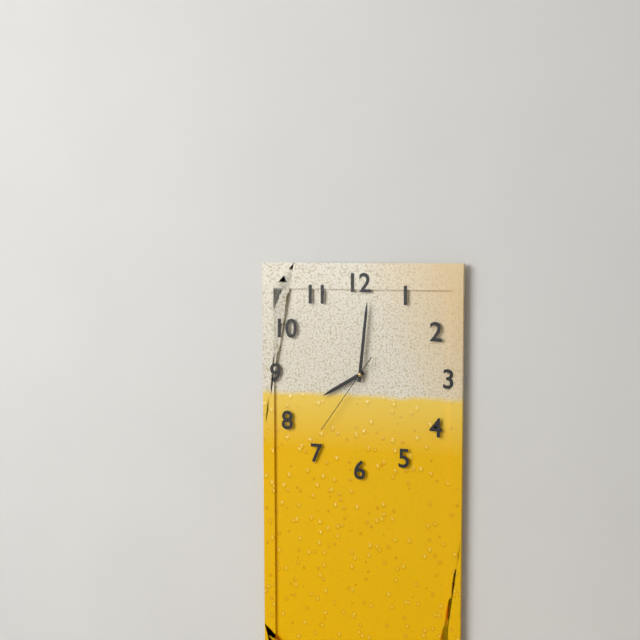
**8:01:36**
